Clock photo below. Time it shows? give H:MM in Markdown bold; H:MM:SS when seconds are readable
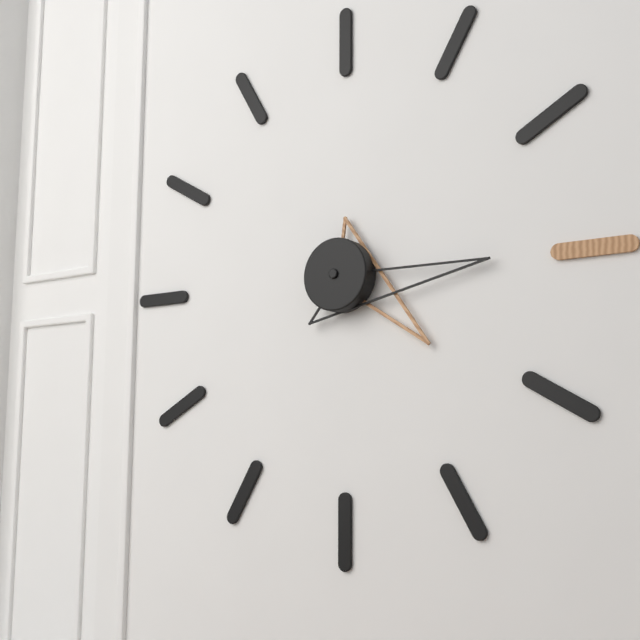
**4:15**
